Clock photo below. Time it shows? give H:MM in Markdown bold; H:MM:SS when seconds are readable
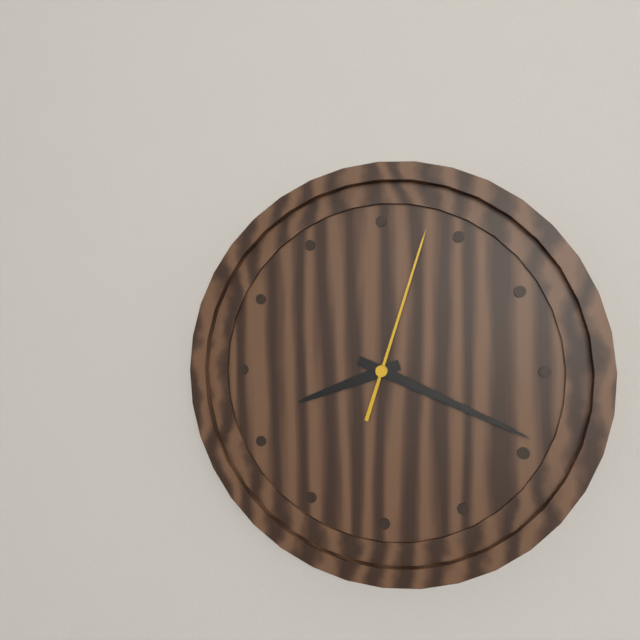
**8:19:03**
